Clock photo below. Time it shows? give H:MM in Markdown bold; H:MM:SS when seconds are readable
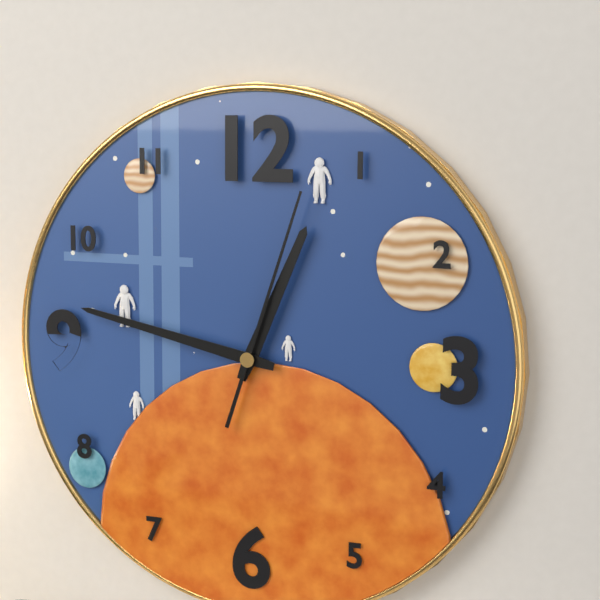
**12:47:03**
